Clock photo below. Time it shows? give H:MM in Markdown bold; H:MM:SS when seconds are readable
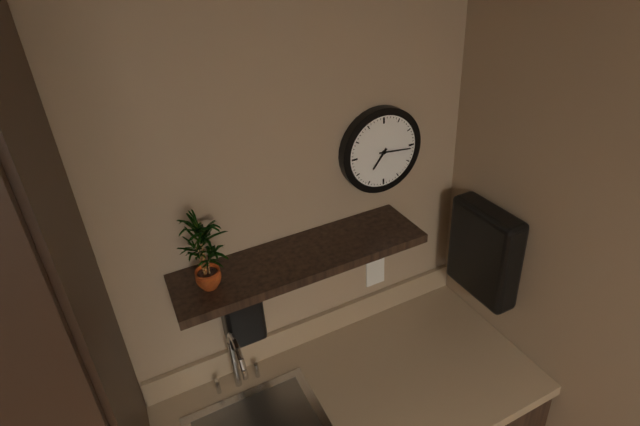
**7:16**
